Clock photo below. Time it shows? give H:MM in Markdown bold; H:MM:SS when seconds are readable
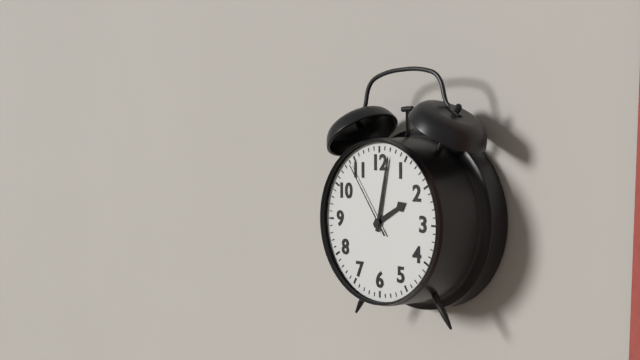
**2:02:54**
